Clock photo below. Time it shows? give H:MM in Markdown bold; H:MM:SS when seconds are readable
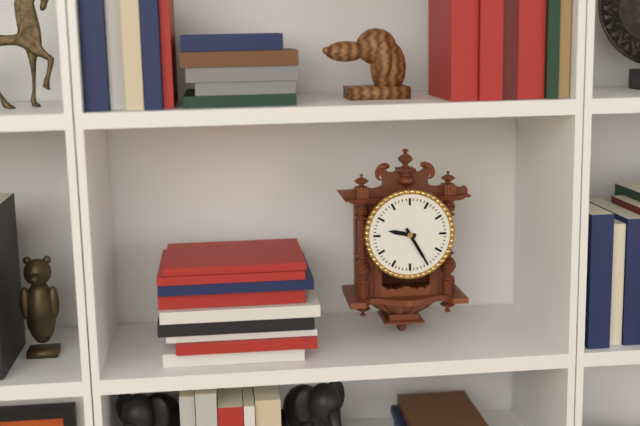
**9:25**
